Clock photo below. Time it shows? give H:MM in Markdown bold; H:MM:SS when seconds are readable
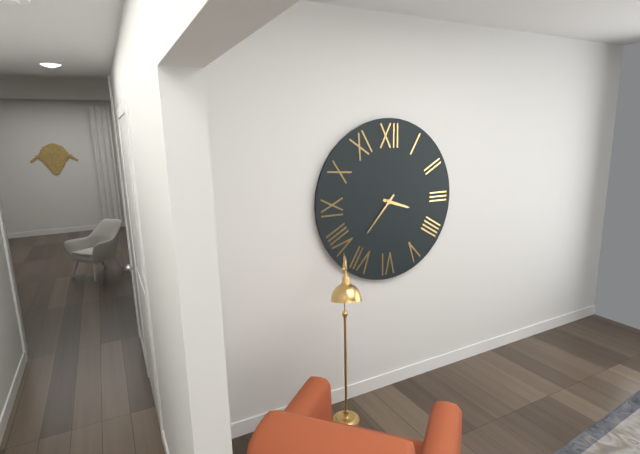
**3:37**
